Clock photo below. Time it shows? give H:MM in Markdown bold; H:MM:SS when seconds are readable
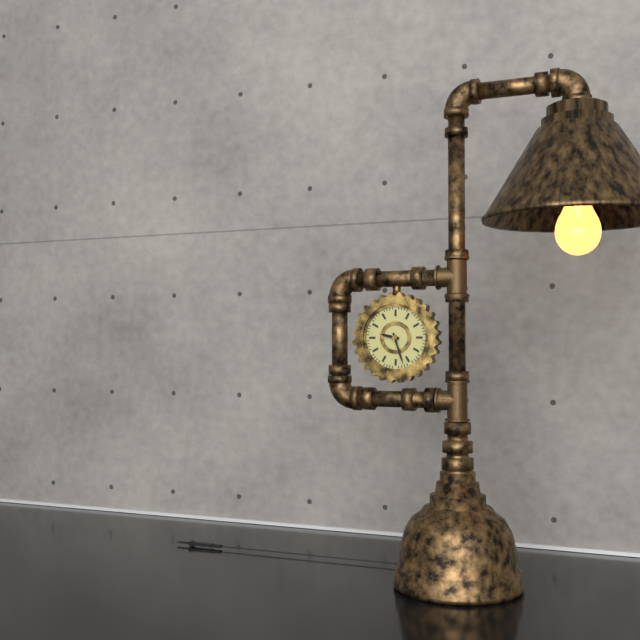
**9:27**
